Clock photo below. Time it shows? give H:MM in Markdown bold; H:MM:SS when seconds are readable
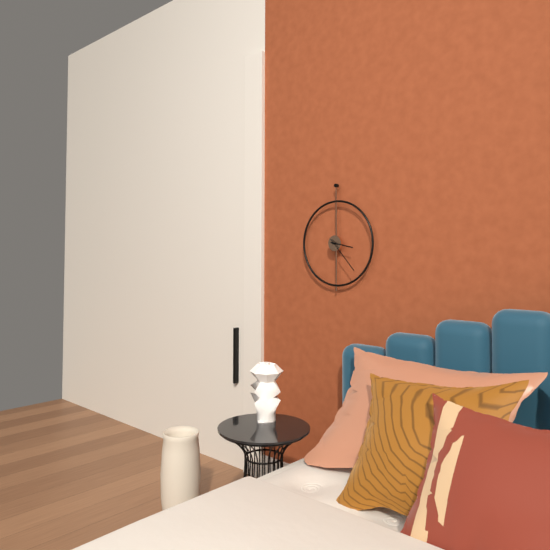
**3:23**
